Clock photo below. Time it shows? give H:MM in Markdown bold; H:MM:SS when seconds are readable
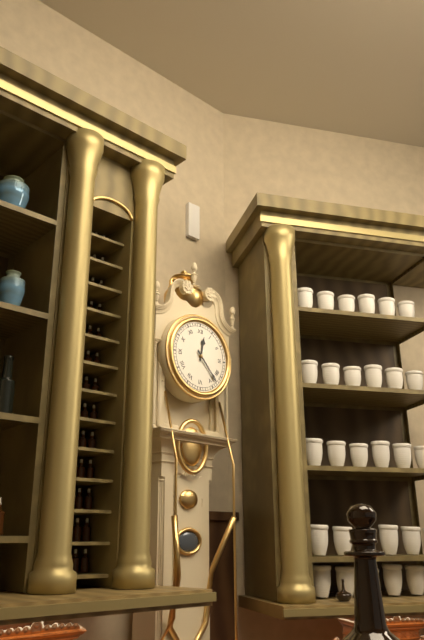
**12:23**
